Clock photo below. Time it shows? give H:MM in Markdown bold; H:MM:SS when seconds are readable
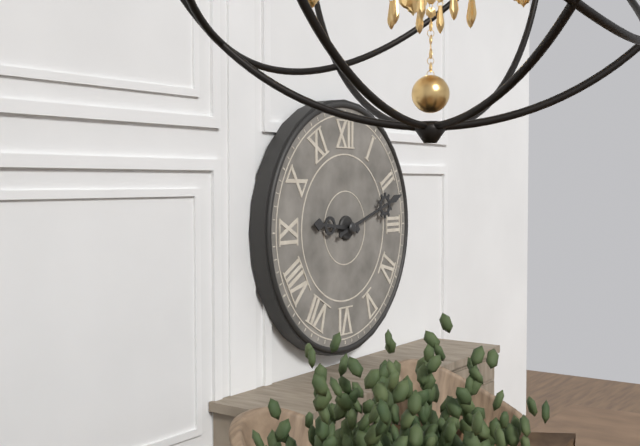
**9:12**
